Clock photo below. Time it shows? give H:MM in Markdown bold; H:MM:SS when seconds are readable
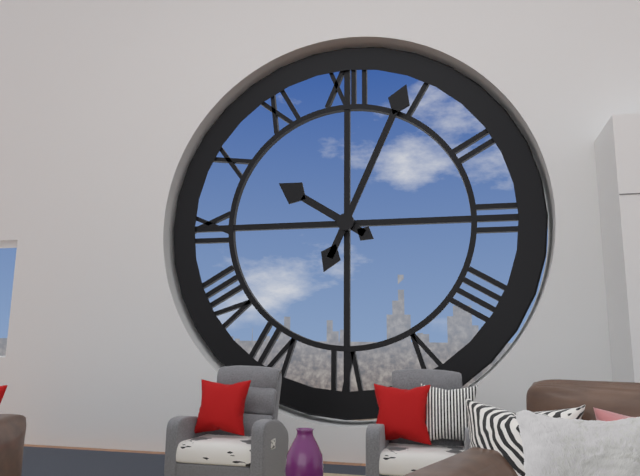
**10:04**
